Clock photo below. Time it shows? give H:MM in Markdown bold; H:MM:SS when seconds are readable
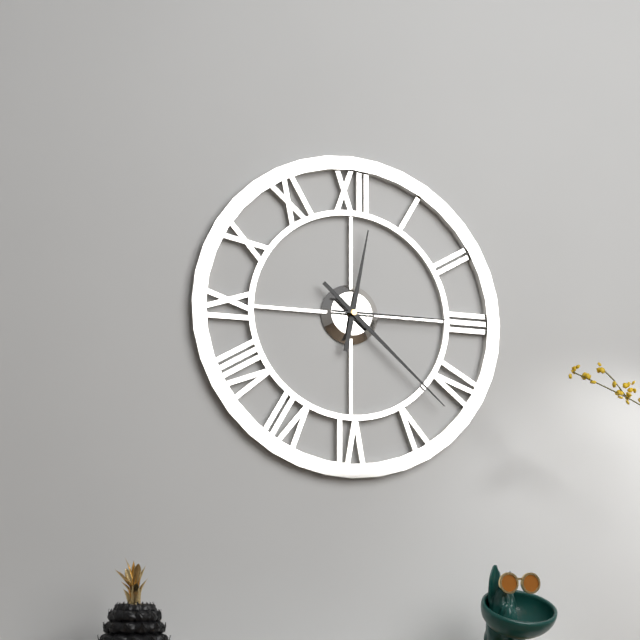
**12:22:15**
